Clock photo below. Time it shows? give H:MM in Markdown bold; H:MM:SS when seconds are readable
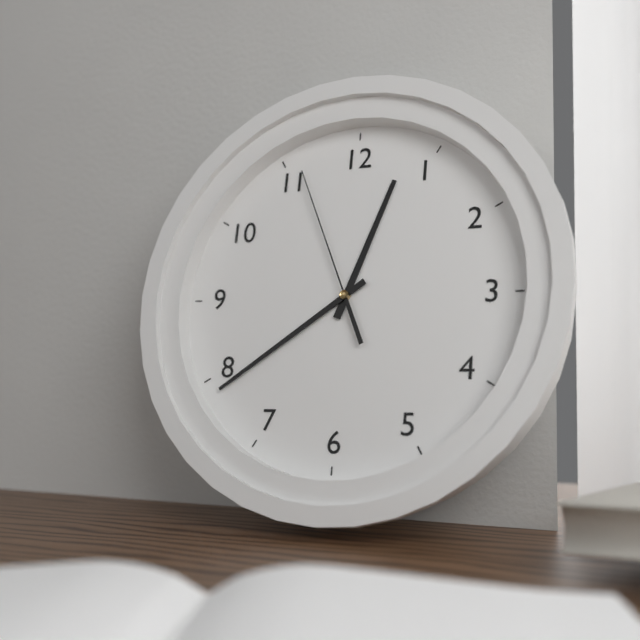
**12:39:56**
